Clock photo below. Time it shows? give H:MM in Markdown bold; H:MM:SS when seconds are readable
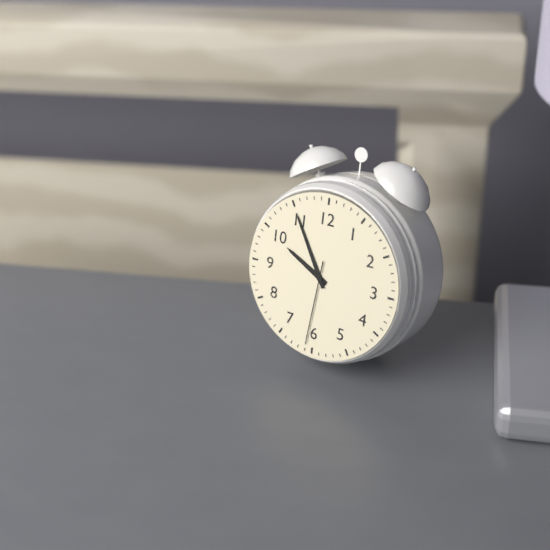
**9:55:31**
